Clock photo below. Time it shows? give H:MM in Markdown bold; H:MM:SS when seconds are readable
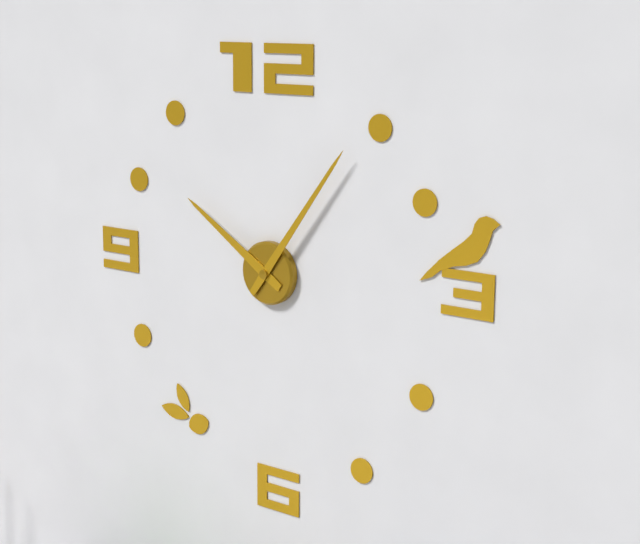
**10:06**
